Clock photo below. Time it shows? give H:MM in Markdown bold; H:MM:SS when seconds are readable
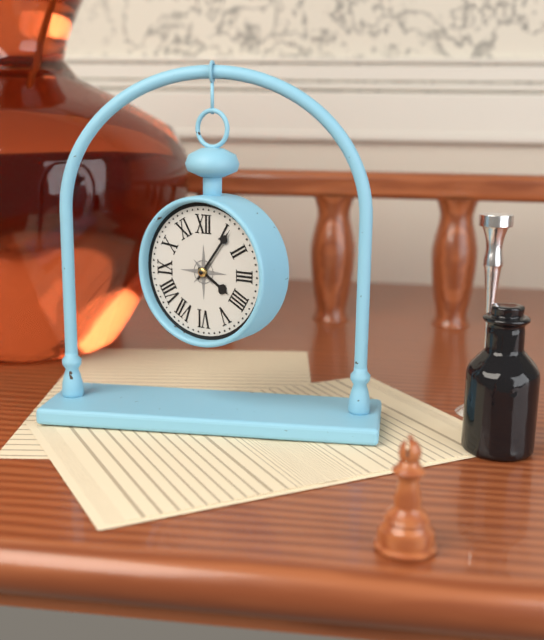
**4:06**
